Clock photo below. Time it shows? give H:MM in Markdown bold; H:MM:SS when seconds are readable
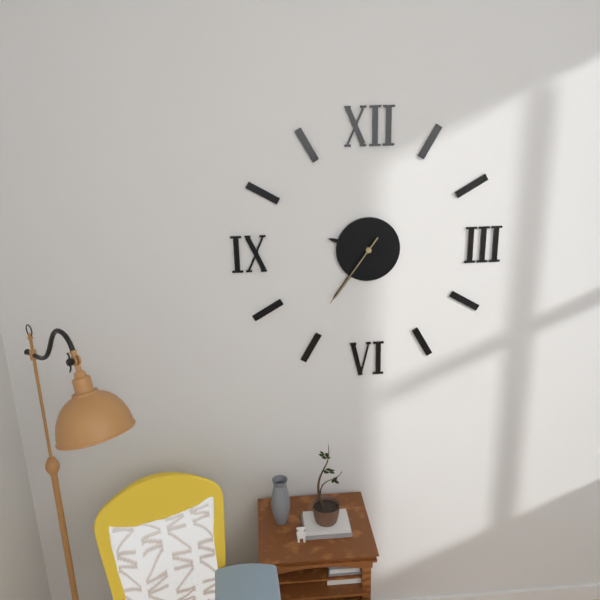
**9:36:36**
